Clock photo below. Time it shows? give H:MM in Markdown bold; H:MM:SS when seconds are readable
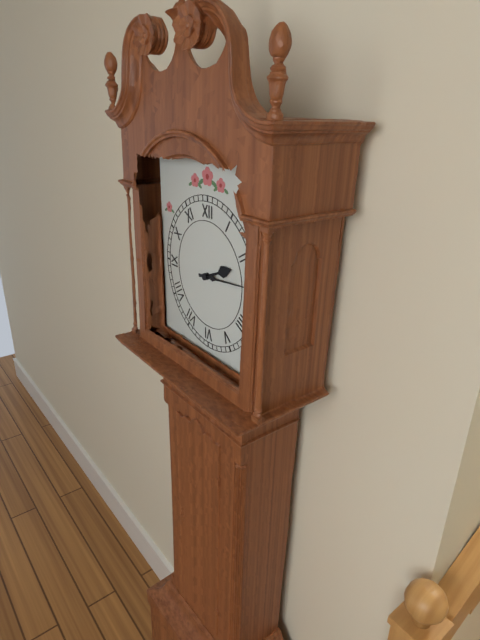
**2:14**
